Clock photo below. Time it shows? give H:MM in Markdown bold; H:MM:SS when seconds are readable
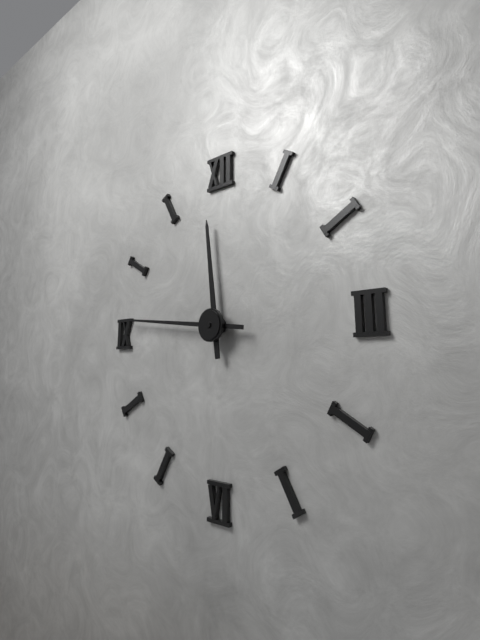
**11:46**
